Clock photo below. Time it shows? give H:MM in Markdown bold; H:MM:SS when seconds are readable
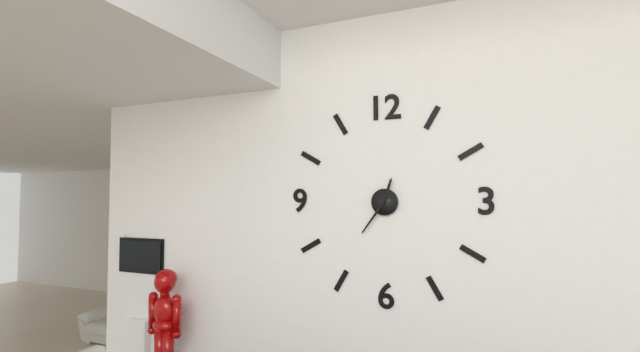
**12:36**
